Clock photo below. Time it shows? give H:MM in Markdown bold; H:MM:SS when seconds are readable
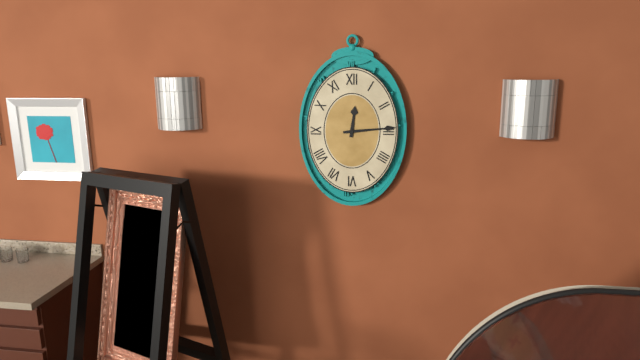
**12:14**
